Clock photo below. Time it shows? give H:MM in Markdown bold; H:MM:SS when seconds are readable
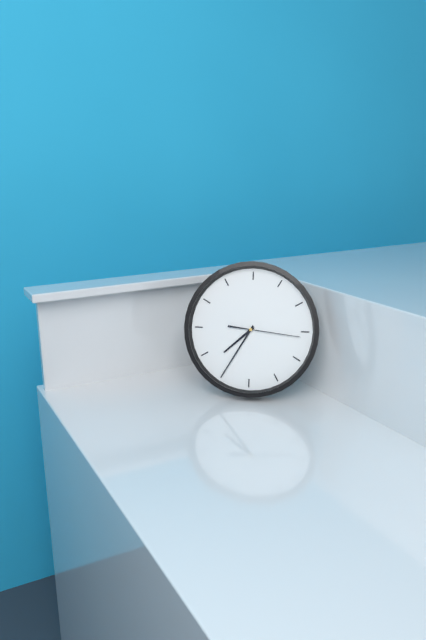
**7:35:16**
